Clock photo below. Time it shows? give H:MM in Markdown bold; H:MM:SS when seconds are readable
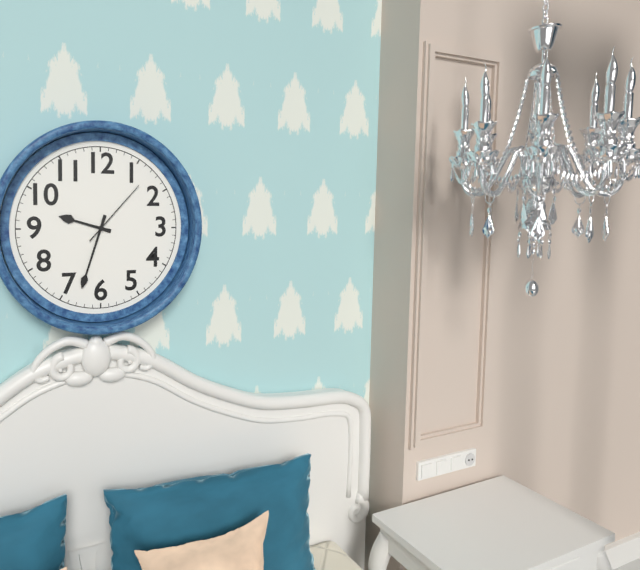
**9:33:07**
